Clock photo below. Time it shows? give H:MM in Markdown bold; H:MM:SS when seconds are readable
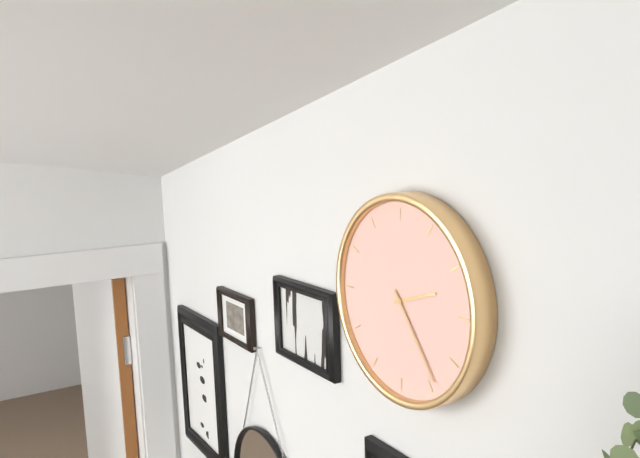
**2:24**
